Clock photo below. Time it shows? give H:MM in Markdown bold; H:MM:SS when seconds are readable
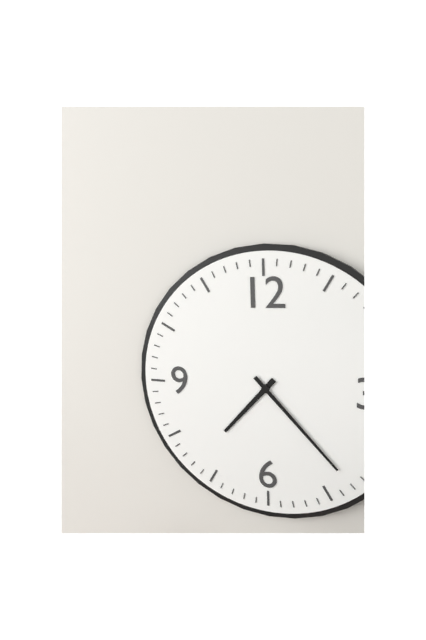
**7:23**
